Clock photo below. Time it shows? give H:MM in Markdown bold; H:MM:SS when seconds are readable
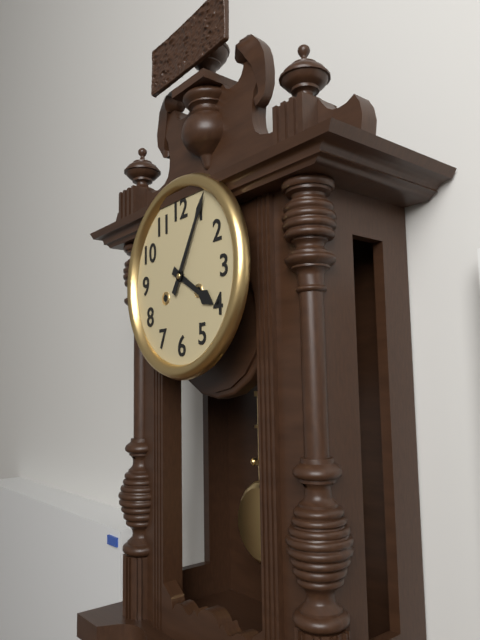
**4:05**
